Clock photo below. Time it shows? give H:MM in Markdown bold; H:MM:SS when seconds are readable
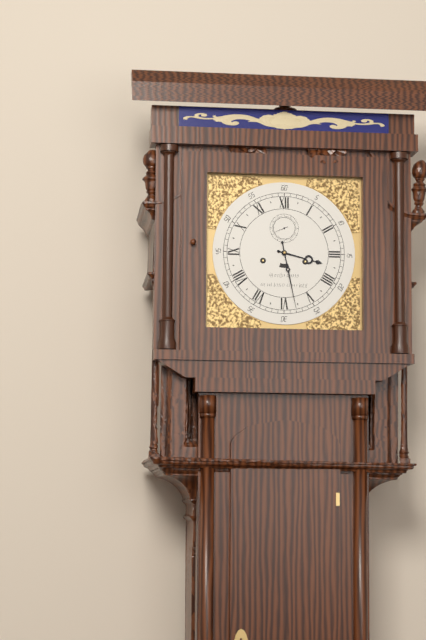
**3:28**
